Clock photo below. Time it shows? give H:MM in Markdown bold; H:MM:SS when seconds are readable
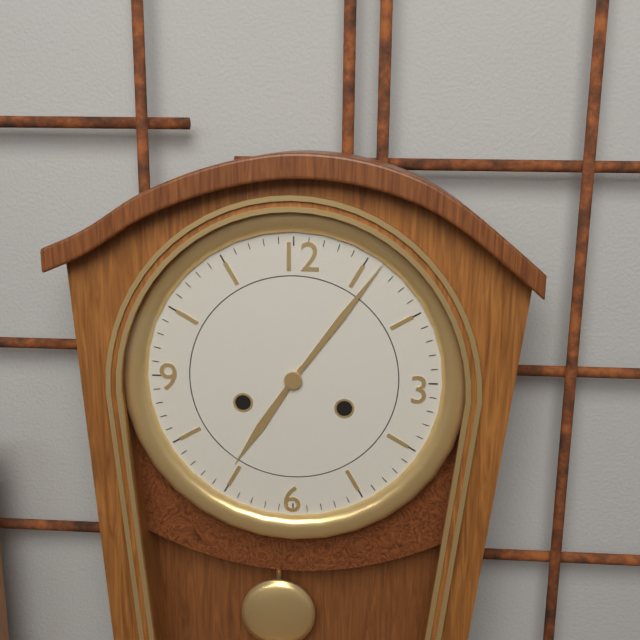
**7:06**
